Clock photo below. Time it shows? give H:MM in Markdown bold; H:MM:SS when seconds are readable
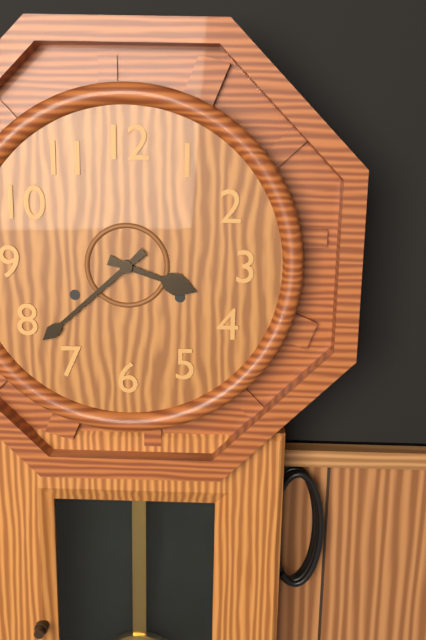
**3:38**
